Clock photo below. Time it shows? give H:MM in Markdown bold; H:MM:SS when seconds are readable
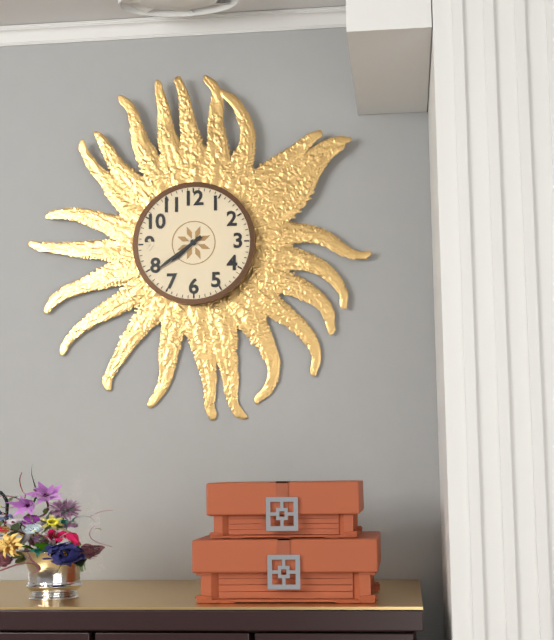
**7:39**
